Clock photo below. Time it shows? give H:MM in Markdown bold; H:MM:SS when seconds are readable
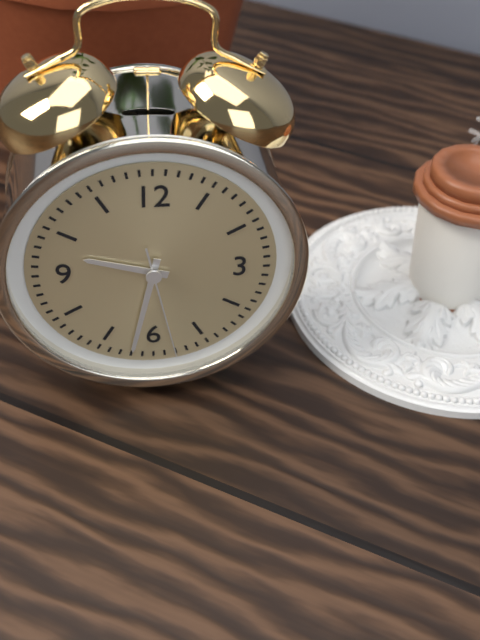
**9:32:28**
